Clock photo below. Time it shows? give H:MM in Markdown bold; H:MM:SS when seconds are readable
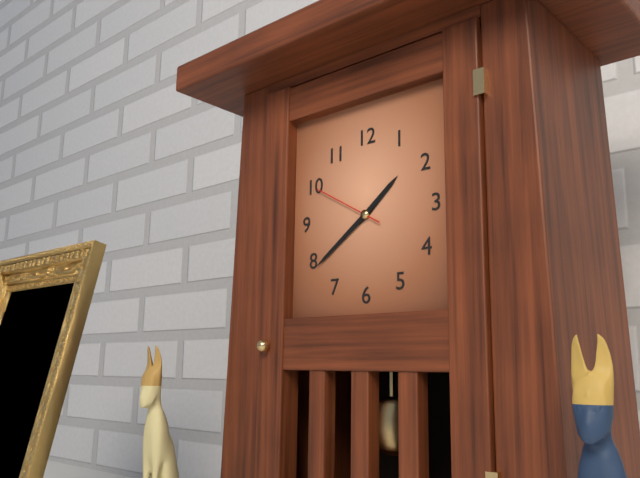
**1:39:50**
